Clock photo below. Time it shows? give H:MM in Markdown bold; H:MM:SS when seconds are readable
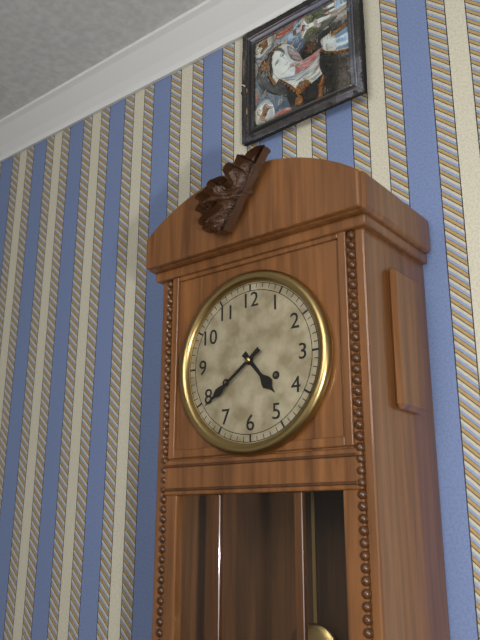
**4:39**
